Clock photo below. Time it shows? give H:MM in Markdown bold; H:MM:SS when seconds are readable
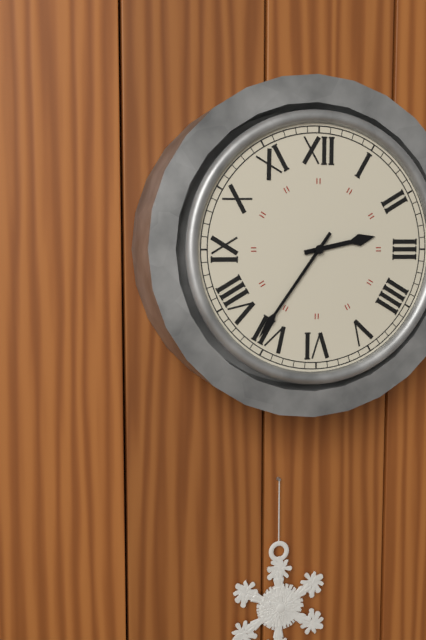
**2:36**
